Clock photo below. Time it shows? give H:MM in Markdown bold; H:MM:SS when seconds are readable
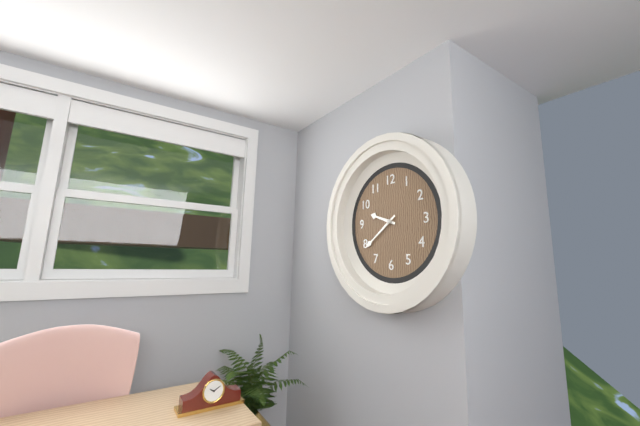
**9:39**
